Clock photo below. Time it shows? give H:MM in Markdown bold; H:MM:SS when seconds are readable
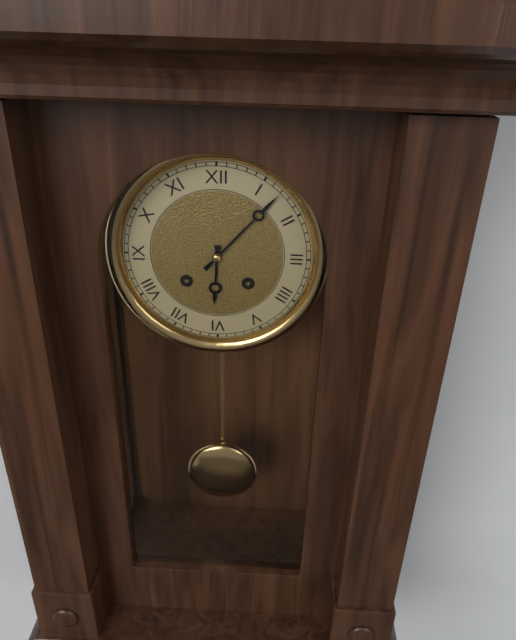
**6:07**
